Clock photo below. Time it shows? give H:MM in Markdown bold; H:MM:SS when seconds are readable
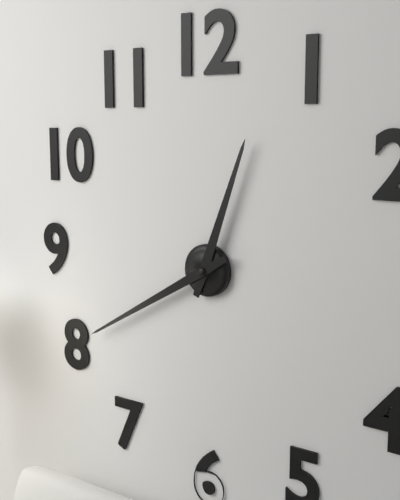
**12:40**
